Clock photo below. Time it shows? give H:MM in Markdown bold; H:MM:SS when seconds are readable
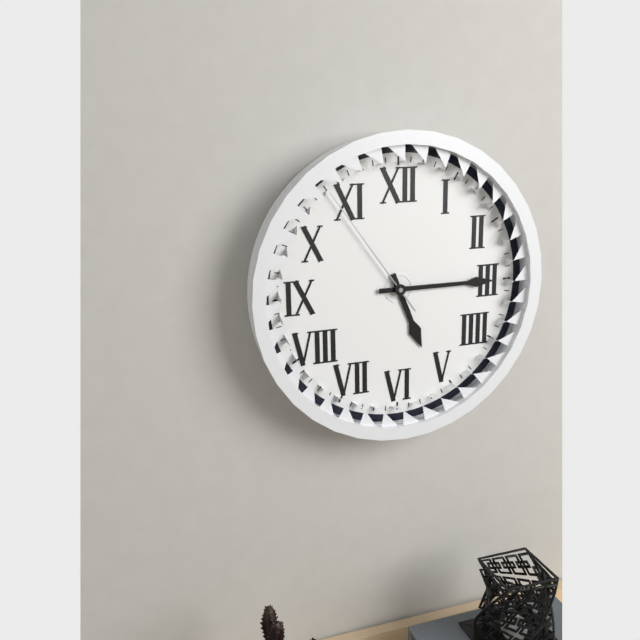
**5:15:54**
